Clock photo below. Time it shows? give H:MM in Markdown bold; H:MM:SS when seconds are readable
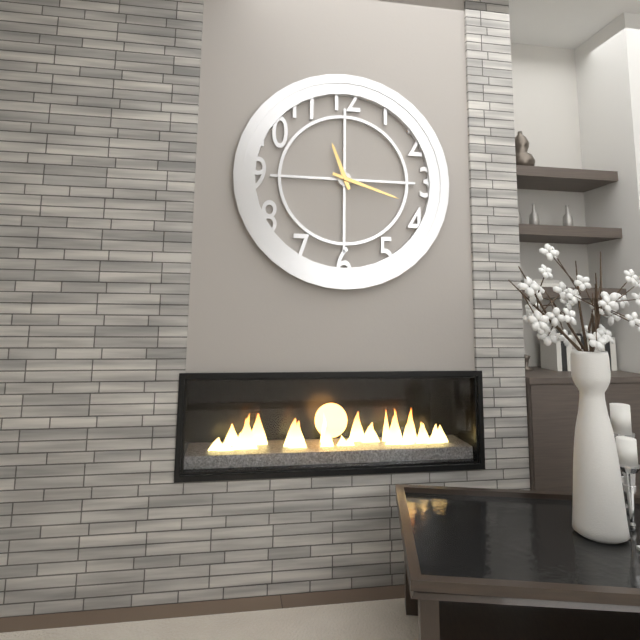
**11:18**
